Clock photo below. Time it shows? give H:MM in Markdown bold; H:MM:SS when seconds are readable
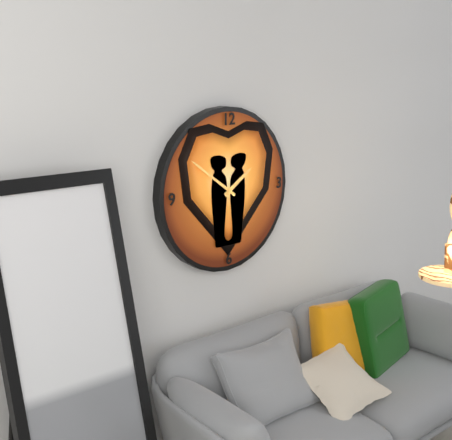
**1:51**
